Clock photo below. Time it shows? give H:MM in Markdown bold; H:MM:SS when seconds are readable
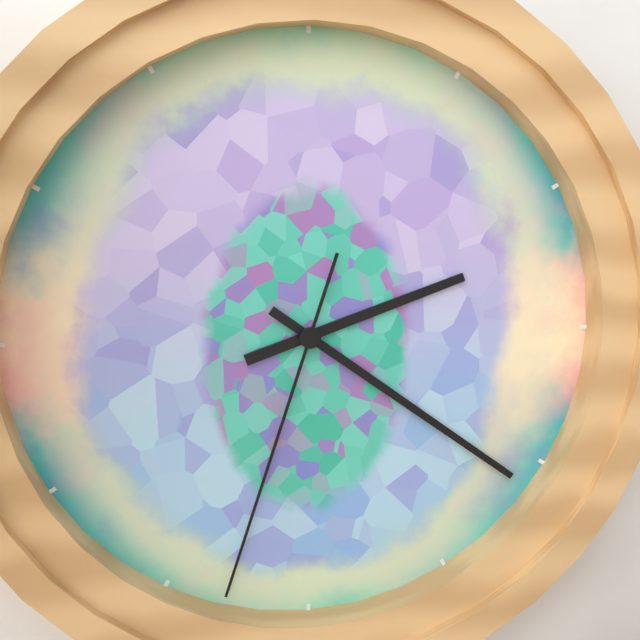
**2:21:33**
